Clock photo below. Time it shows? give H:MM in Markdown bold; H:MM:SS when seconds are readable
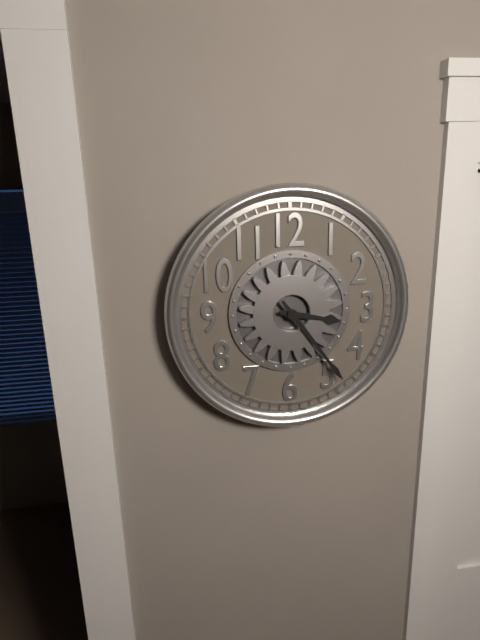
**3:24**
